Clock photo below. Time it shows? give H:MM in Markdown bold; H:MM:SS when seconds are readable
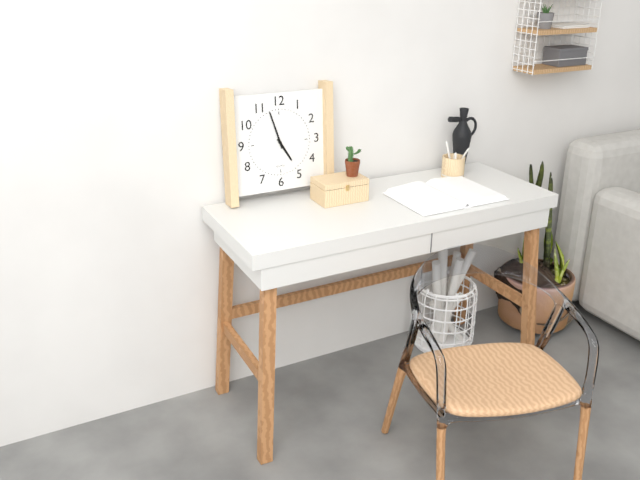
**4:57**
